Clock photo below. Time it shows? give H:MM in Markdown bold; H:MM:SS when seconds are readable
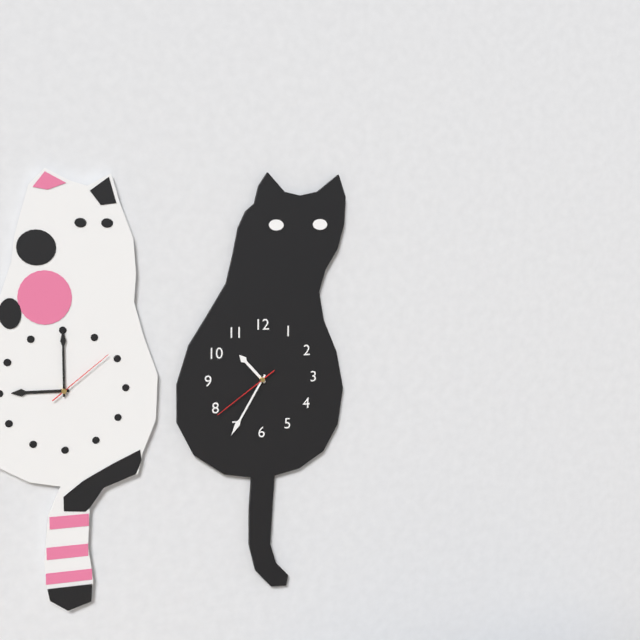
**10:35:39**
